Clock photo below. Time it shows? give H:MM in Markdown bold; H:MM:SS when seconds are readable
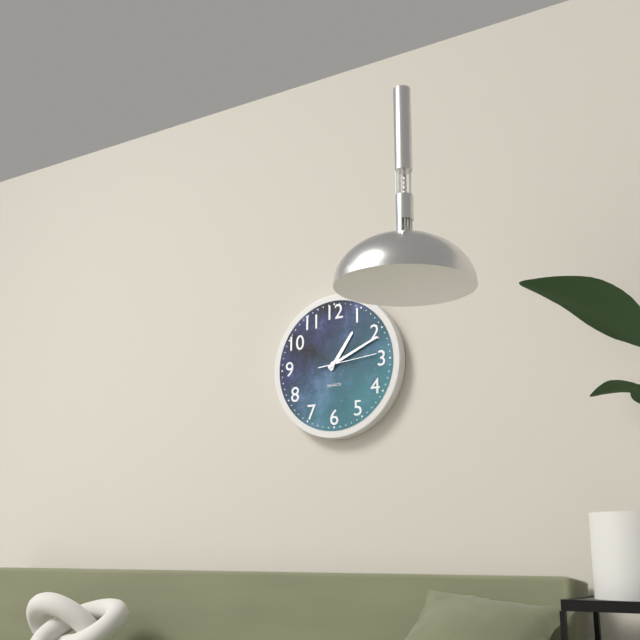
**1:11:14**
